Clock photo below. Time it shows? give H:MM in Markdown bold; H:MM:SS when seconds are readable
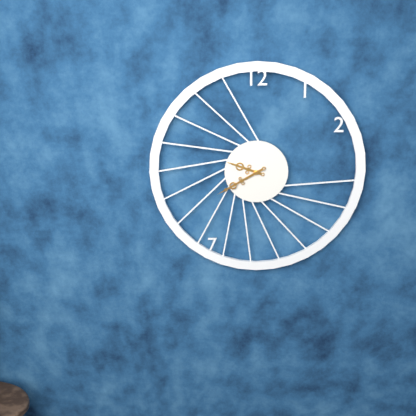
**9:40**
